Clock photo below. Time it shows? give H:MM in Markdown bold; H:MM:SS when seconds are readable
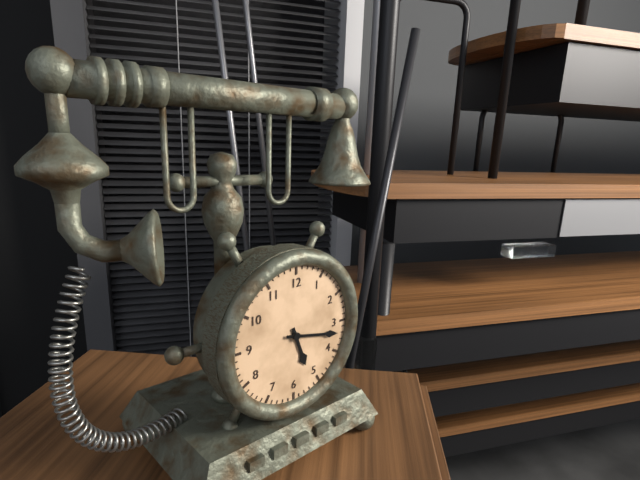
**5:17**
